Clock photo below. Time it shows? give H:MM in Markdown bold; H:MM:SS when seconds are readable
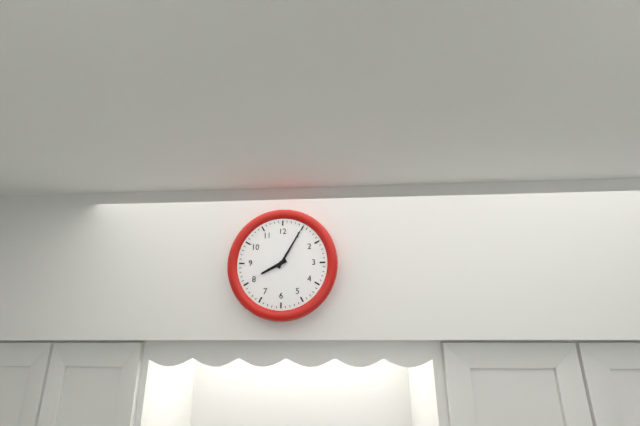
**8:05**
